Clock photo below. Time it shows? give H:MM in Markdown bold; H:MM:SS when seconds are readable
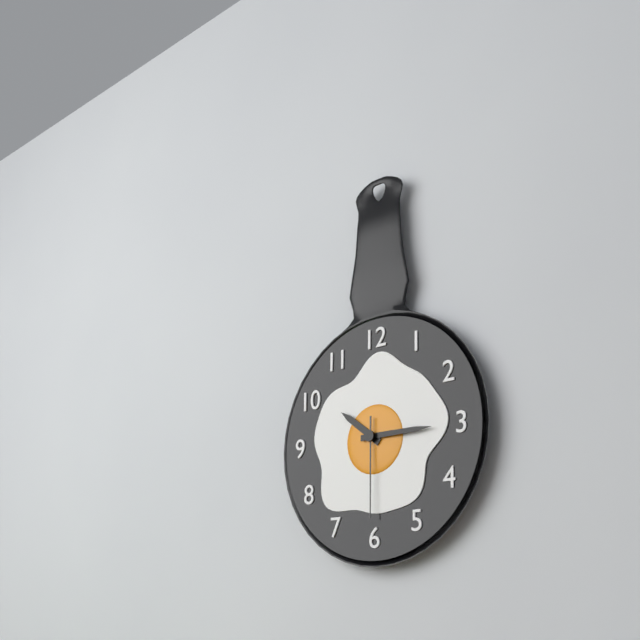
**10:15:30**
